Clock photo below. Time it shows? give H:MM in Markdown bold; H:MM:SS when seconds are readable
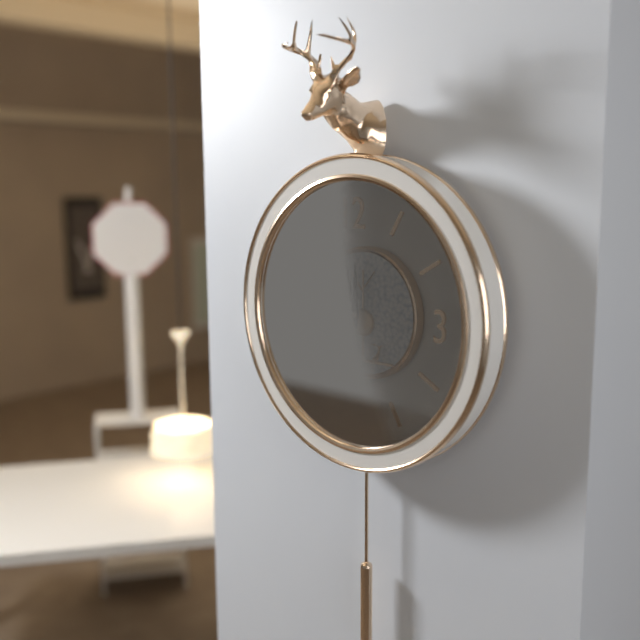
**11:58**
